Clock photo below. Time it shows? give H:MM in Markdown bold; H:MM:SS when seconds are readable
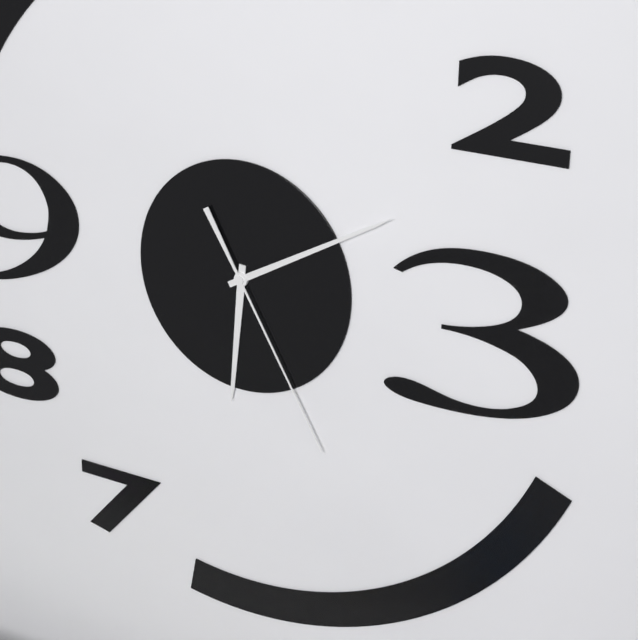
**6:10:25**
